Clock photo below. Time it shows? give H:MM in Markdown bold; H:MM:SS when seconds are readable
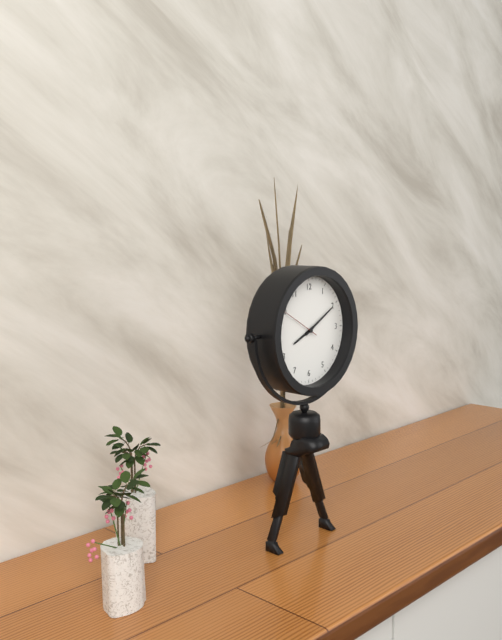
**8:10**
